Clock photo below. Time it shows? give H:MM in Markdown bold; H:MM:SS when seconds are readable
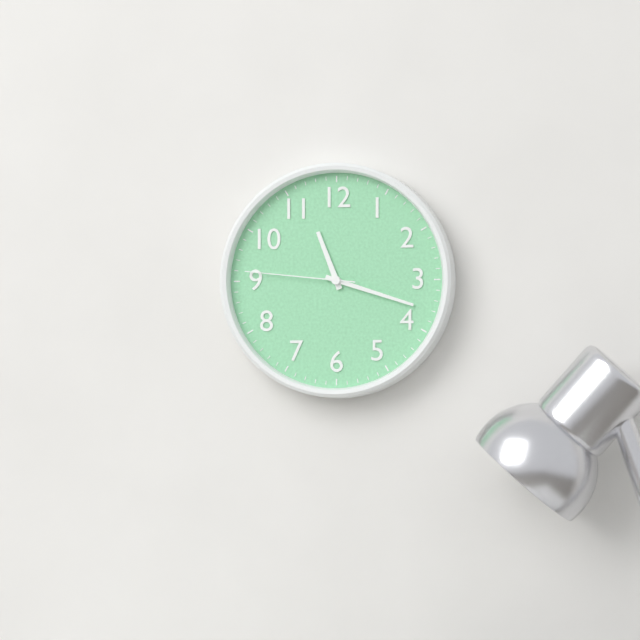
**11:18:46**
